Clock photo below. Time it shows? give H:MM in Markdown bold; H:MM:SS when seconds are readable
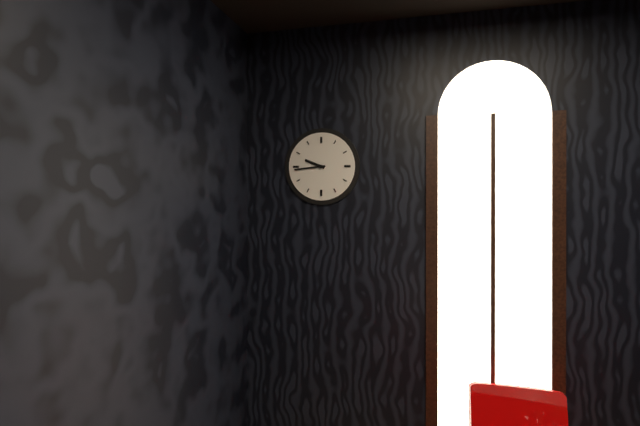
**9:44**
